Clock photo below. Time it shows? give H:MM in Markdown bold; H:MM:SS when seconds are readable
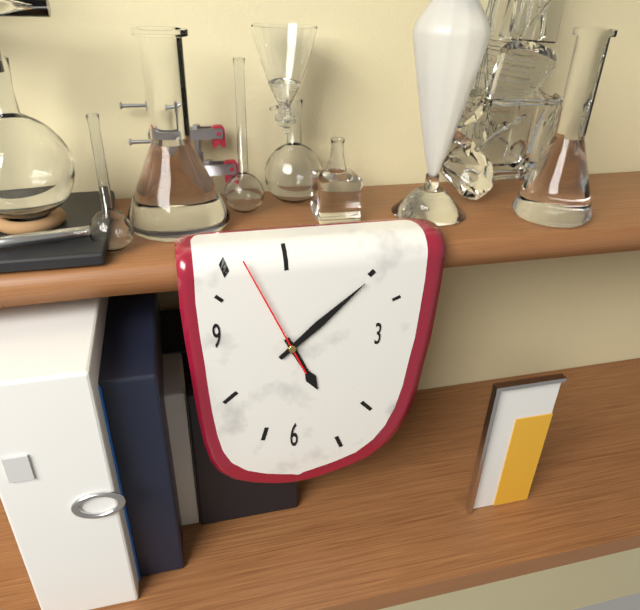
**5:08:56**
